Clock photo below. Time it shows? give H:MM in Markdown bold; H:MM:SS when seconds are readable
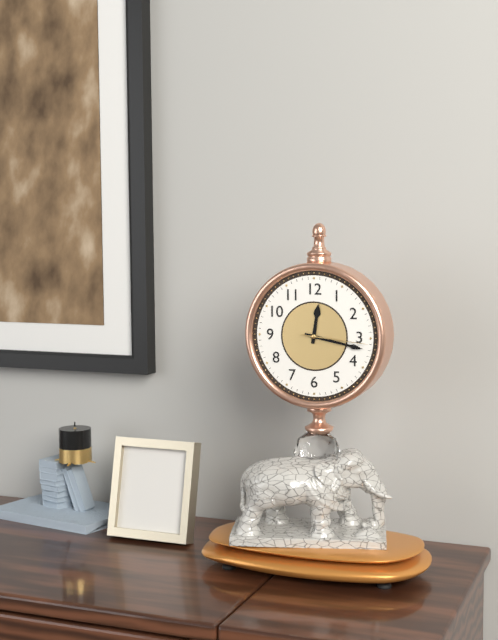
**12:17:16**
